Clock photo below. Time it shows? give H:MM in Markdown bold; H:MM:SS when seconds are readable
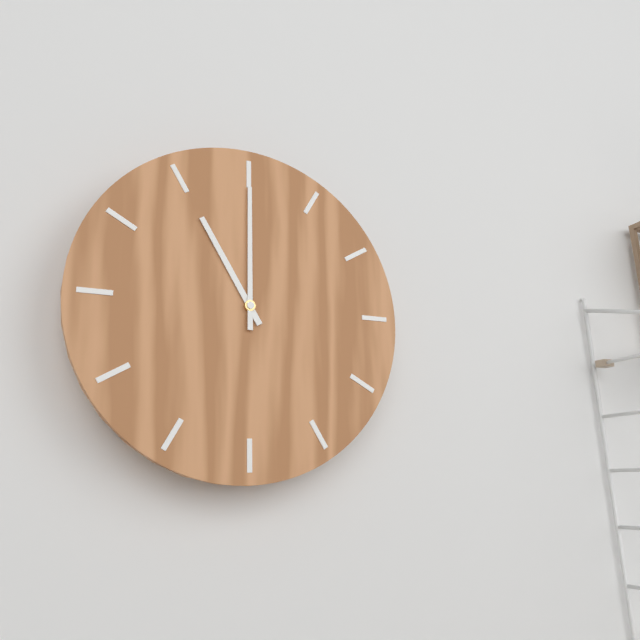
**11:00**
